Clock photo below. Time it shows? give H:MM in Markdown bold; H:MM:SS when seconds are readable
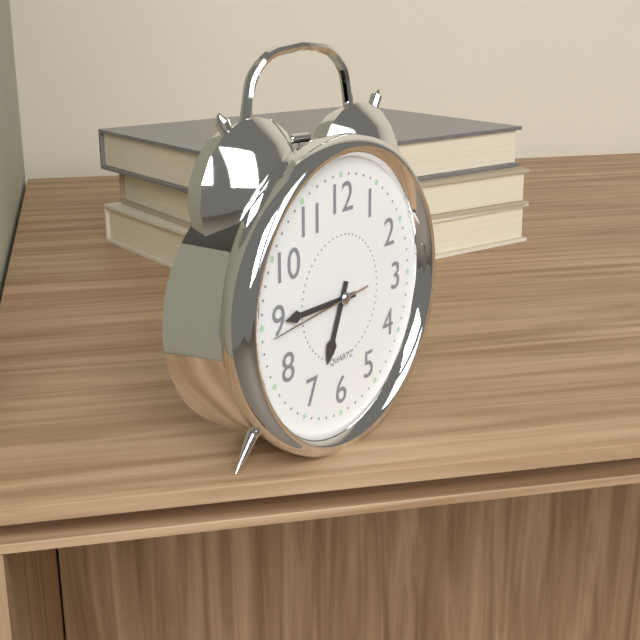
**6:45:44**
